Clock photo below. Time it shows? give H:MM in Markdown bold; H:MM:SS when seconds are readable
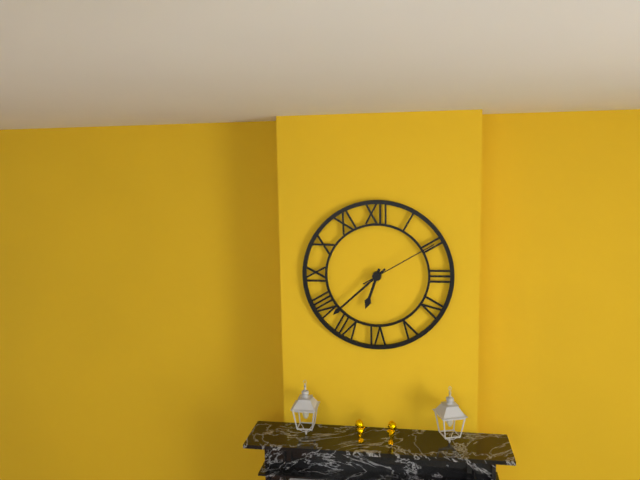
**6:38:10**
